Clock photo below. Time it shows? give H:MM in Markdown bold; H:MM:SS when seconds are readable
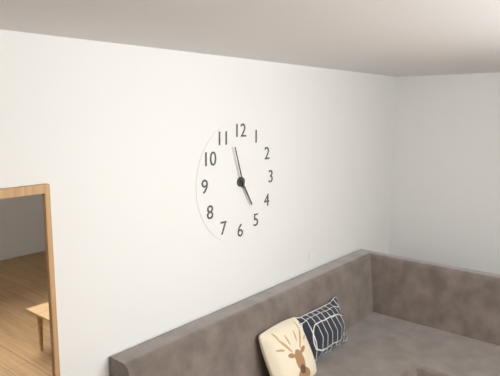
**4:57**
